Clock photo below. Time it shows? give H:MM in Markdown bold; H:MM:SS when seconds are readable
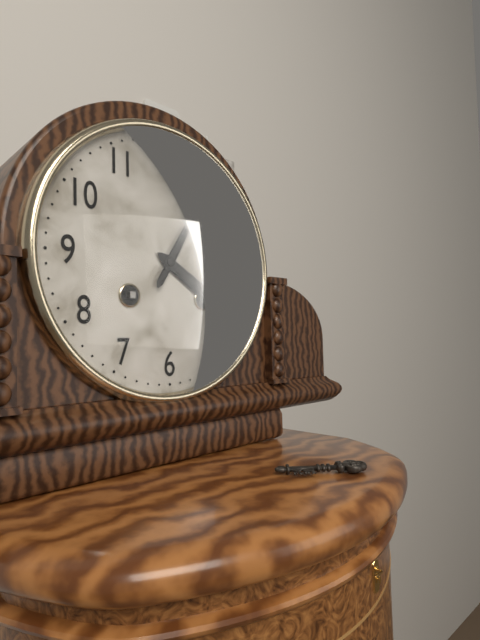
**4:05**
